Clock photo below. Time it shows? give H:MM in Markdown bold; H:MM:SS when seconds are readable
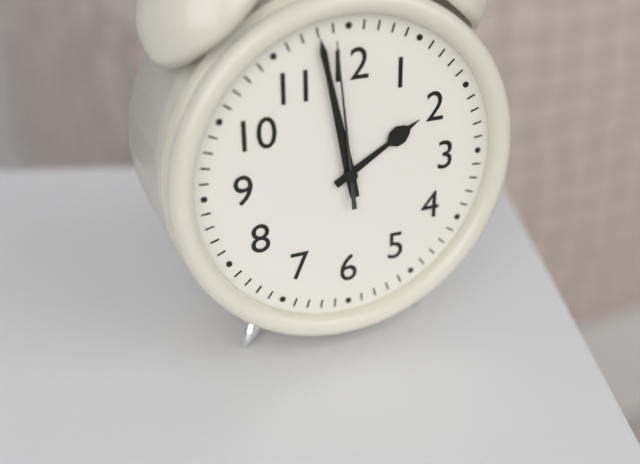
**1:58:59**
